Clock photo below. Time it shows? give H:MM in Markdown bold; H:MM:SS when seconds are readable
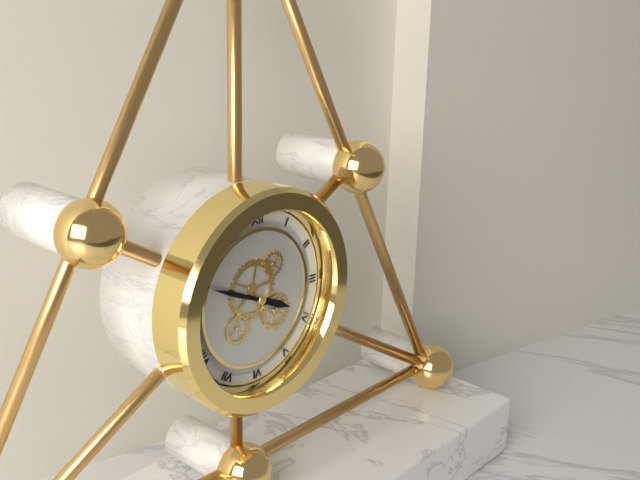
**3:49**
